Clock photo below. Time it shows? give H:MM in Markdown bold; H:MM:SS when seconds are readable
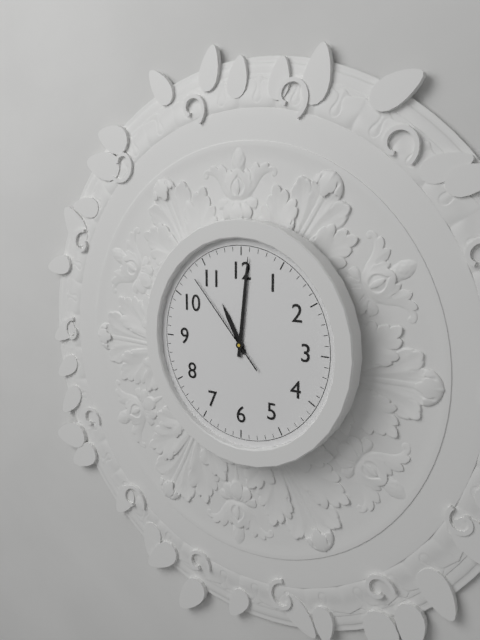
**11:01:53**
